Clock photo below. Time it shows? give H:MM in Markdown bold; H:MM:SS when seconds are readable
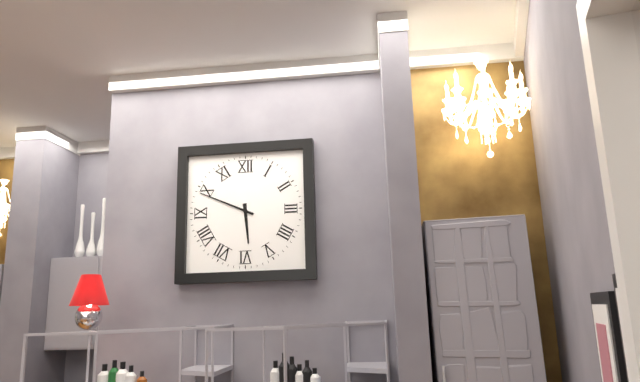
**5:49**
